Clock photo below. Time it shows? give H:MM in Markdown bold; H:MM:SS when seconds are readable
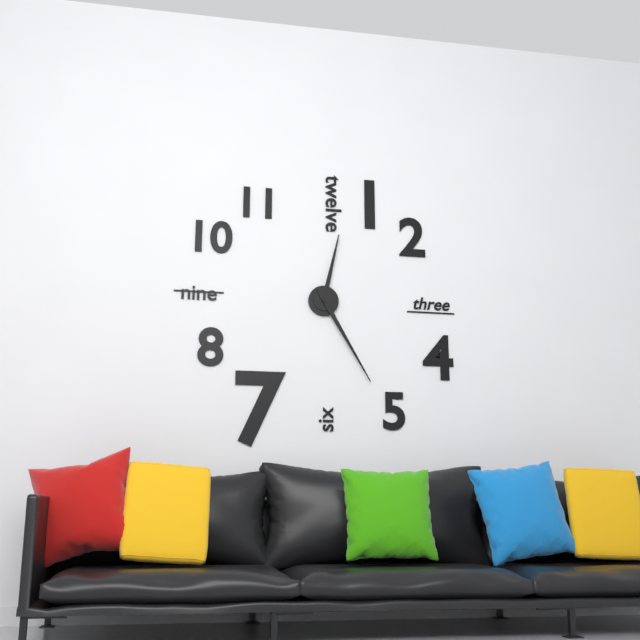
**12:25**
